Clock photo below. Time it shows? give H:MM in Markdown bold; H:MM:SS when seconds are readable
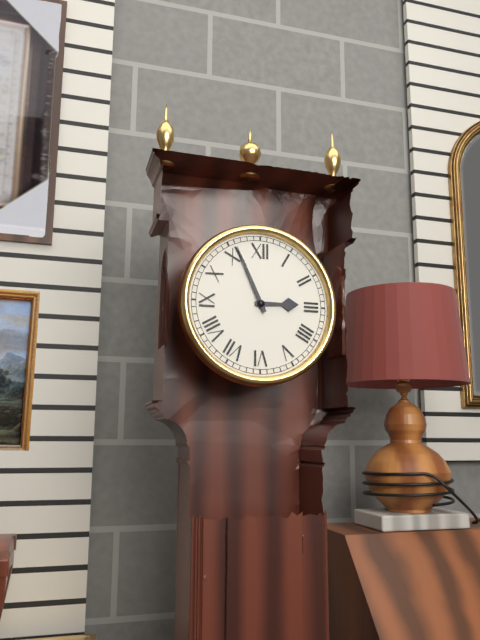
**2:56**
